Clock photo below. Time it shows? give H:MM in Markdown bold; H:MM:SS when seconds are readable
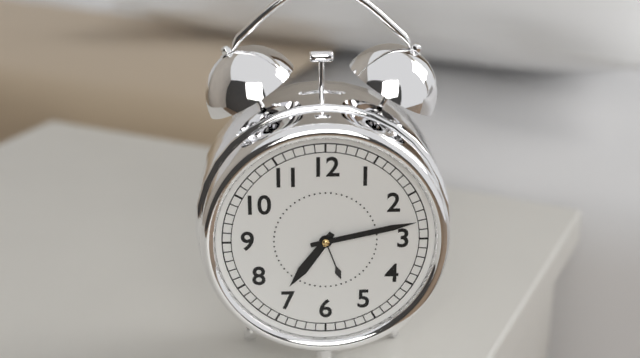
**7:13**
